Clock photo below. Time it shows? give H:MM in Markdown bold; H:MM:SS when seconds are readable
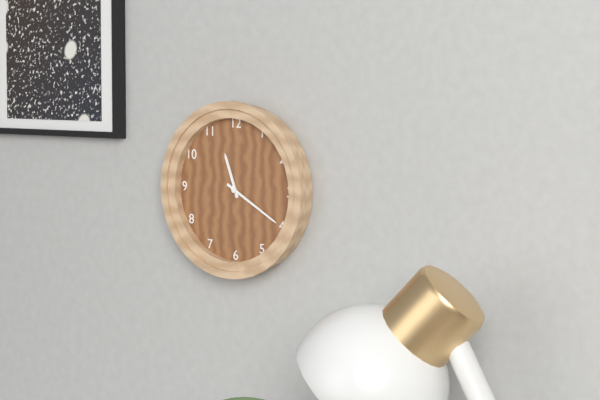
**11:20**
